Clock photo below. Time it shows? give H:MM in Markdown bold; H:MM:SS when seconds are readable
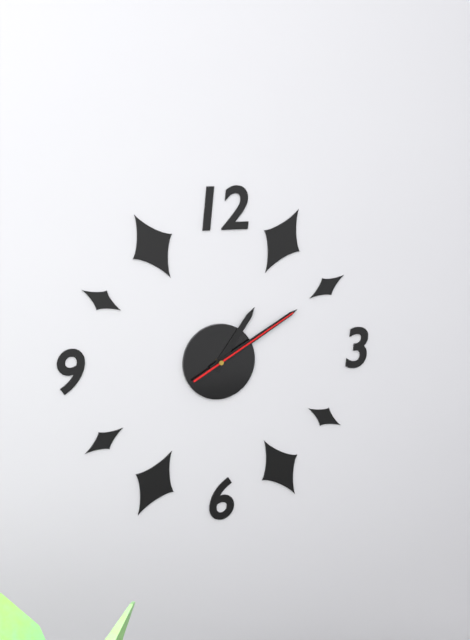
**1:10:10**
